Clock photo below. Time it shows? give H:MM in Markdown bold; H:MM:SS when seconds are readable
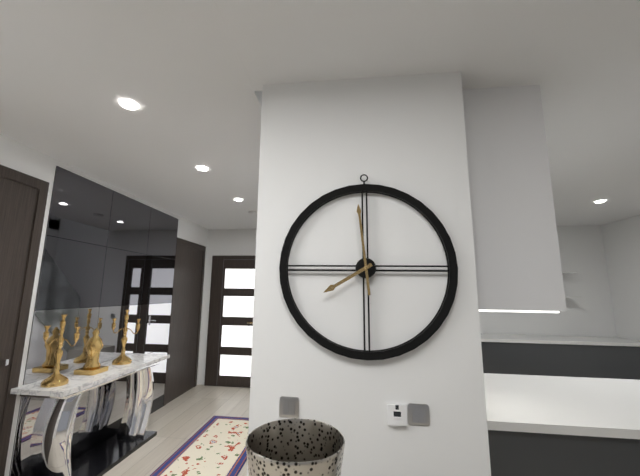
**7:59**
